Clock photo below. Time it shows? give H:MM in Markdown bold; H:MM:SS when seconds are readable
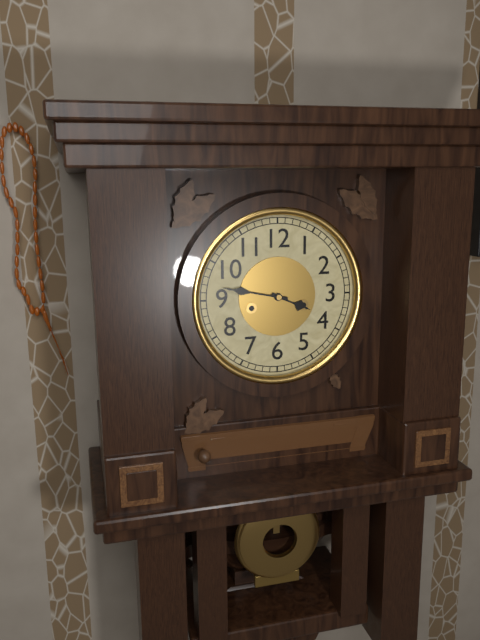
**3:47**
